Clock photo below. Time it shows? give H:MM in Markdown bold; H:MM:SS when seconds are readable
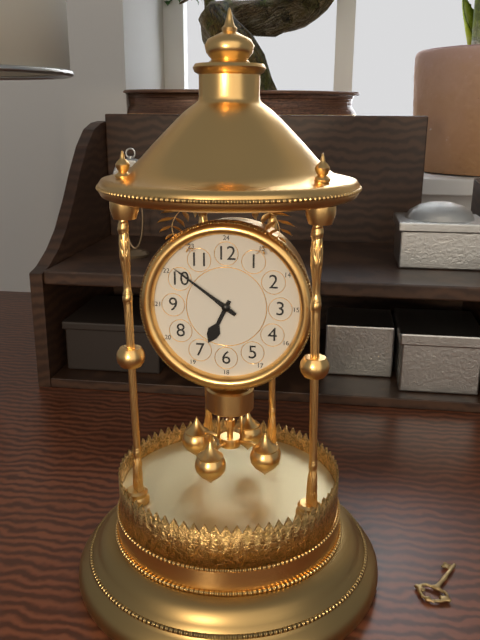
**6:51**
